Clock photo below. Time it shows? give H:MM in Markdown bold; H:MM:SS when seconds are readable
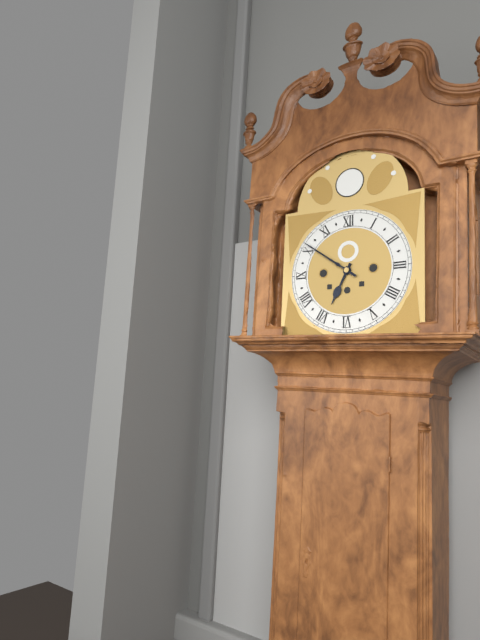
**6:51**
